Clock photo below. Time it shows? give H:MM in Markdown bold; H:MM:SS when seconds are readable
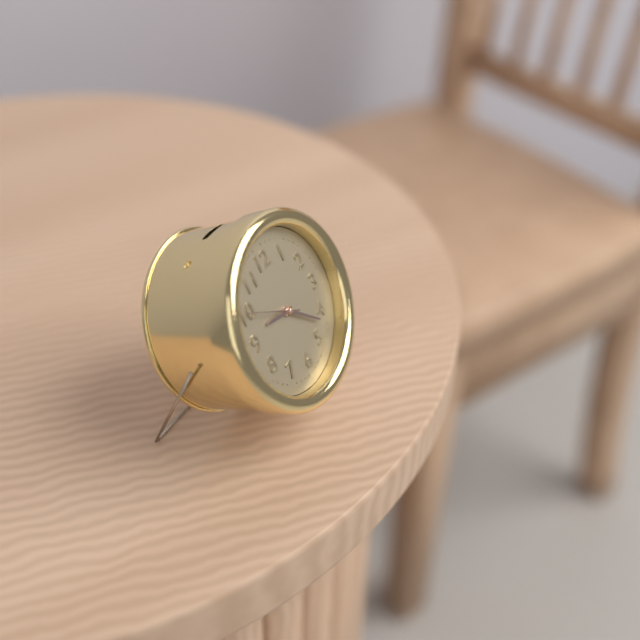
**9:22:50**
